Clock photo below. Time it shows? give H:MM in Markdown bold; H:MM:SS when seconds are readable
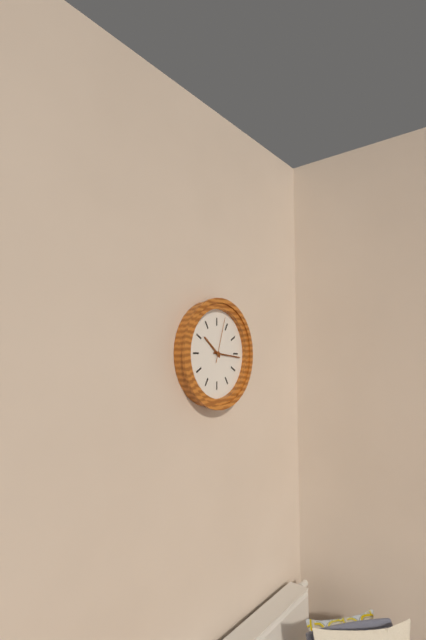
**10:16**
